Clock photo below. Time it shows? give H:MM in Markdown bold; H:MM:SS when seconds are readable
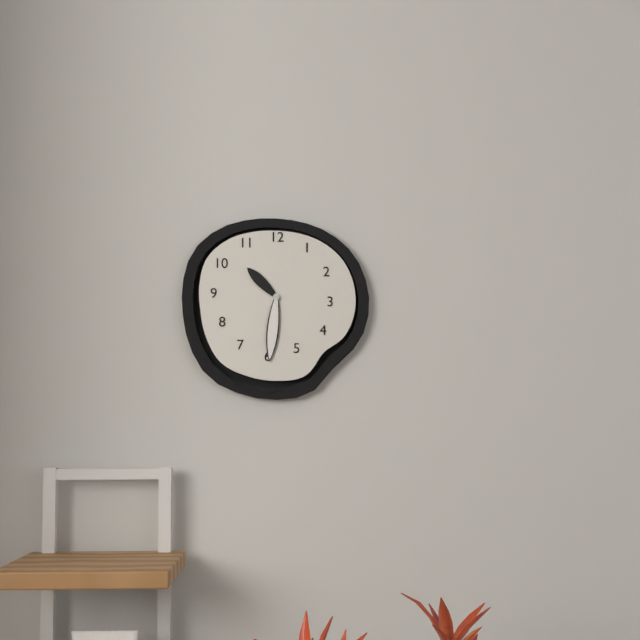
**10:31**
